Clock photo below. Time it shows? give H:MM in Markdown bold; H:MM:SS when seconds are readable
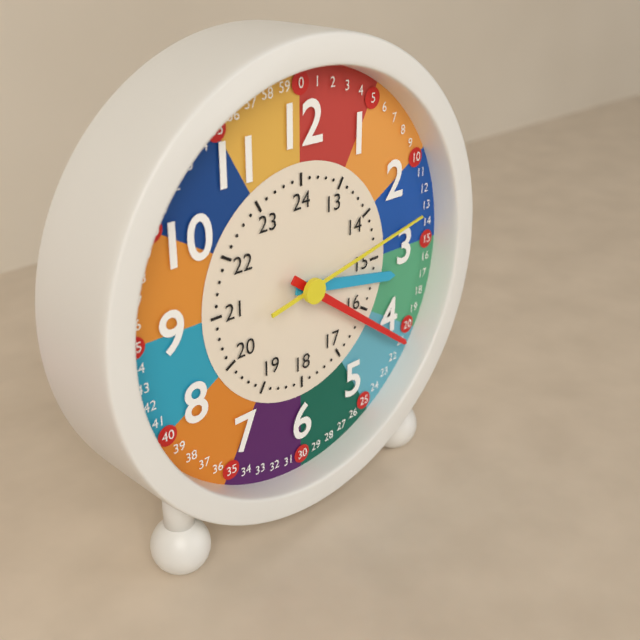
**3:21:13**
